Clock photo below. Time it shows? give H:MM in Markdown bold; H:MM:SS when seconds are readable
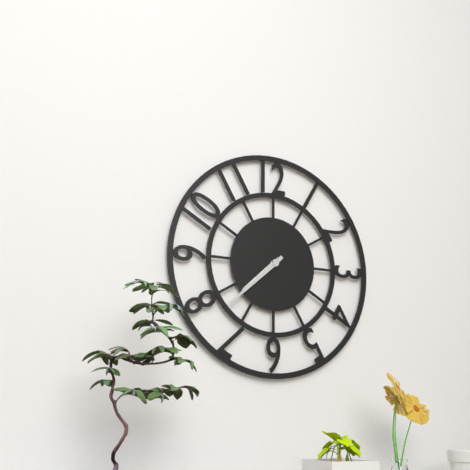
**7:38**
